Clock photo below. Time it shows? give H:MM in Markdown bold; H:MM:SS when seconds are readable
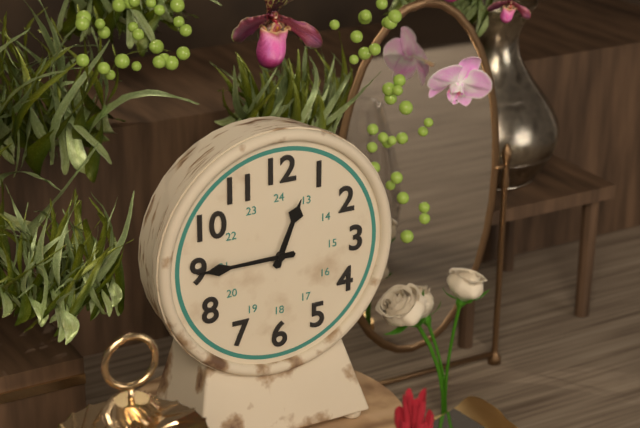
**12:45**
